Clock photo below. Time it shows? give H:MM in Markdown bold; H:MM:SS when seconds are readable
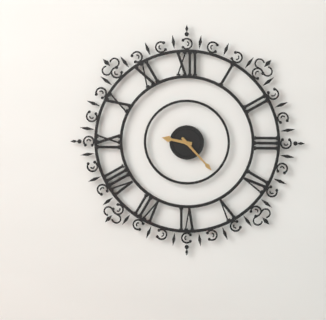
**9:23**
